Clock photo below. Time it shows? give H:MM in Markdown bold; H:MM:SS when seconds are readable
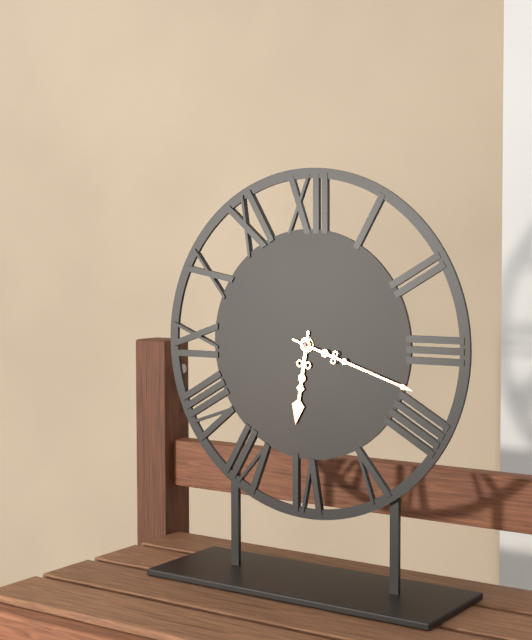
**6:18**
